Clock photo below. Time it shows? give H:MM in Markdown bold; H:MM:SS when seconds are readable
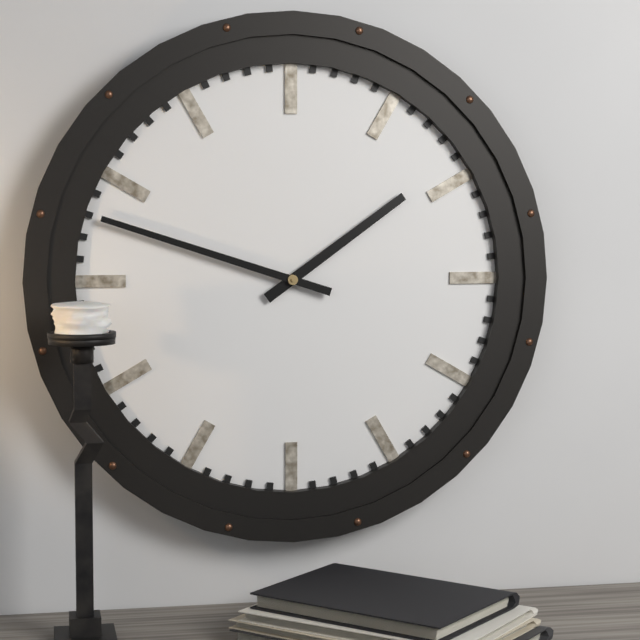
**1:48**
